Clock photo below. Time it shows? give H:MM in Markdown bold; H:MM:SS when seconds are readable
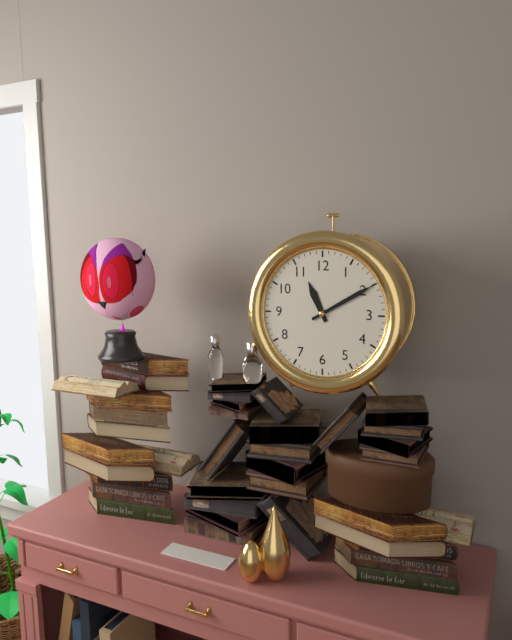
**11:10**
